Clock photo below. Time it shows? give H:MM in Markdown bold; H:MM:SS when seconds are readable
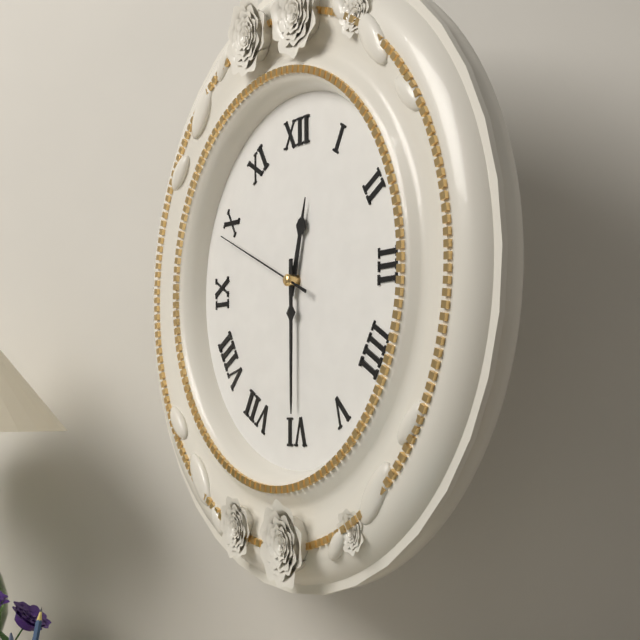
**12:30:49**
